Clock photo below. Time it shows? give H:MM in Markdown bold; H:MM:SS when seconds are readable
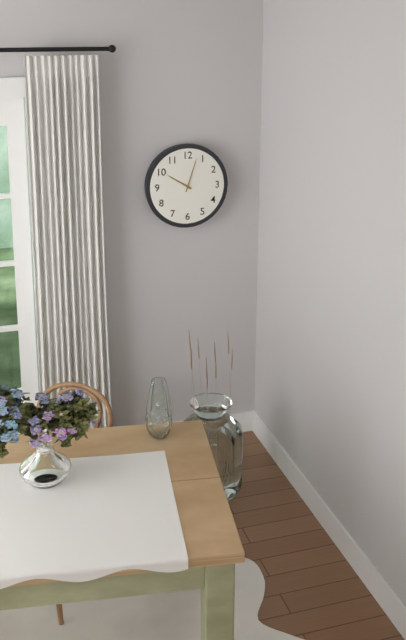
**10:03**
